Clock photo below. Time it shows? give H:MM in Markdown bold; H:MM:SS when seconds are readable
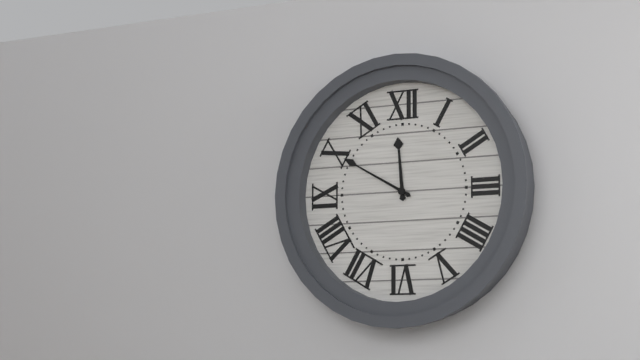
**11:50**
